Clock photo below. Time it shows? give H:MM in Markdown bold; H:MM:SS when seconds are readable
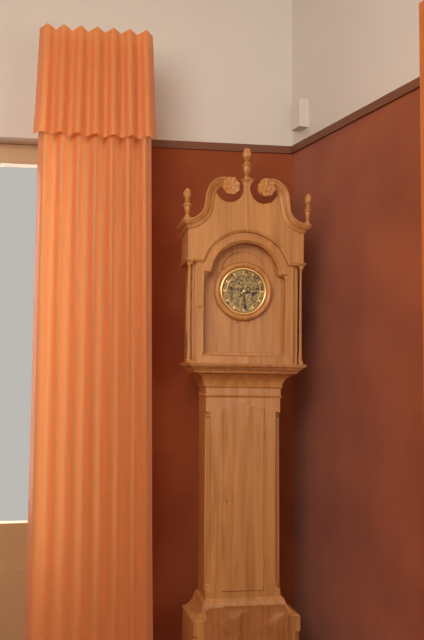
**3:29**
